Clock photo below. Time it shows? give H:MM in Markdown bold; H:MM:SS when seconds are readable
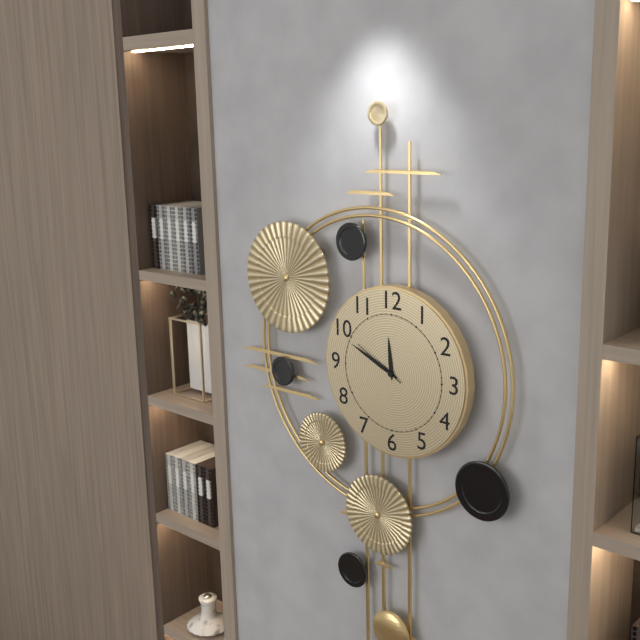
**11:49:50**
